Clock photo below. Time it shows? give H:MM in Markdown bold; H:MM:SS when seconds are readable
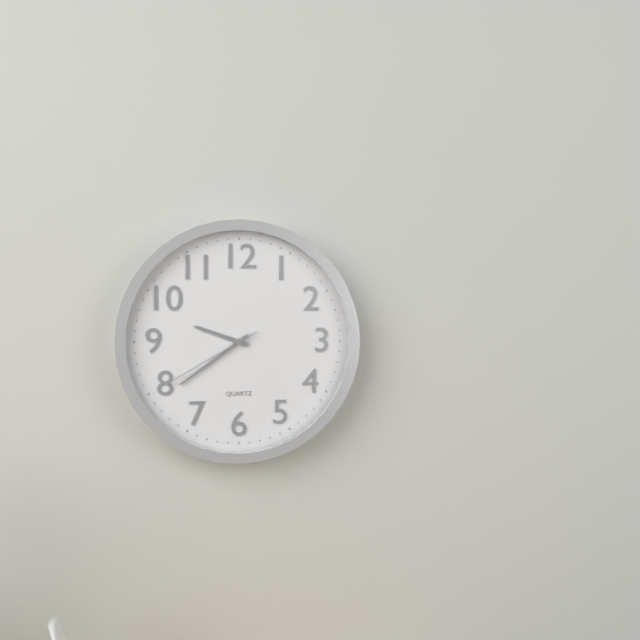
**9:39:40**
